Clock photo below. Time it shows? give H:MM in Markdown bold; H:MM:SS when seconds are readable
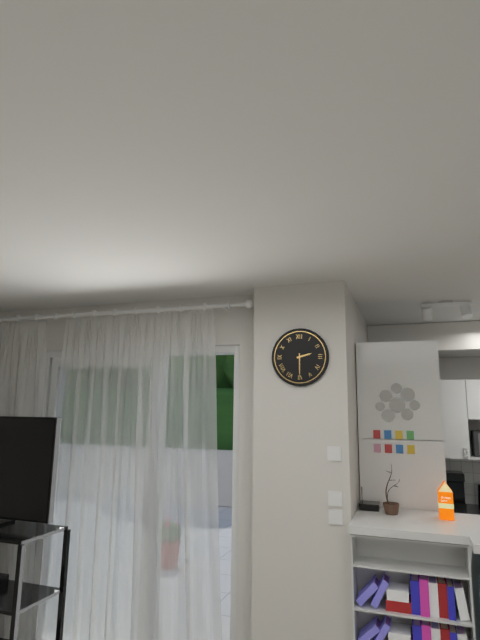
**2:30**
